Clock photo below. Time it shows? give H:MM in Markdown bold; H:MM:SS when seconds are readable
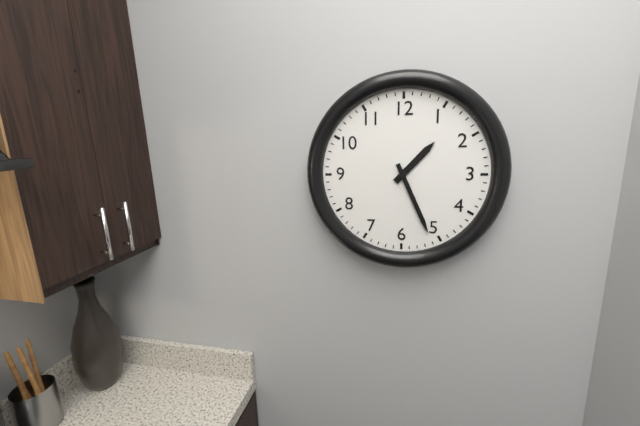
**1:26**
